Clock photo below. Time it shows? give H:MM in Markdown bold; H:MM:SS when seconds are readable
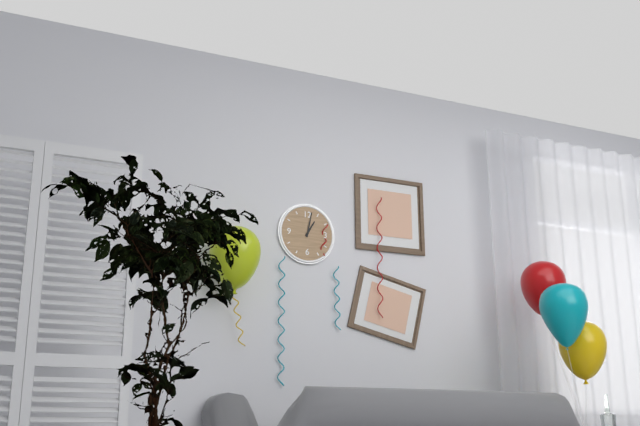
**1:02**
